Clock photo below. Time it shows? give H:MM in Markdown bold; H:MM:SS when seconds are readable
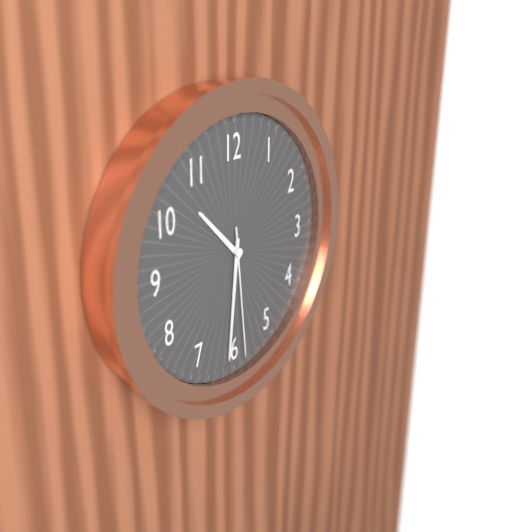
**10:31:29**
